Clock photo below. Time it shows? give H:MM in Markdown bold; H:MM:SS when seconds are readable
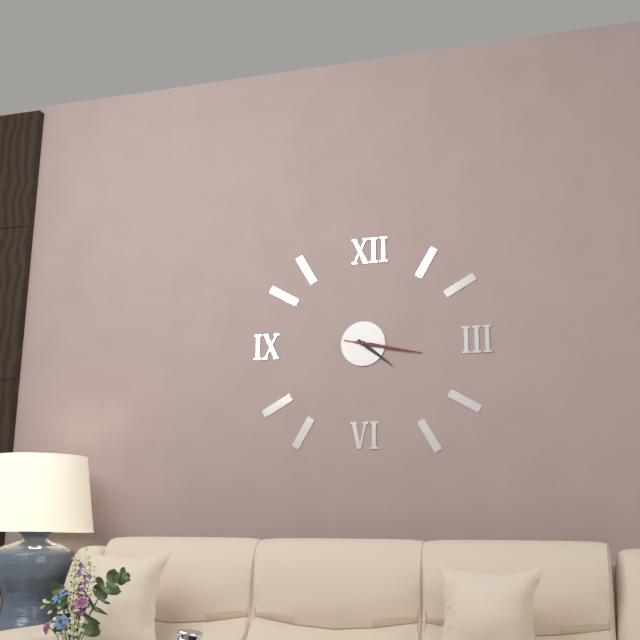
**4:17:17**
